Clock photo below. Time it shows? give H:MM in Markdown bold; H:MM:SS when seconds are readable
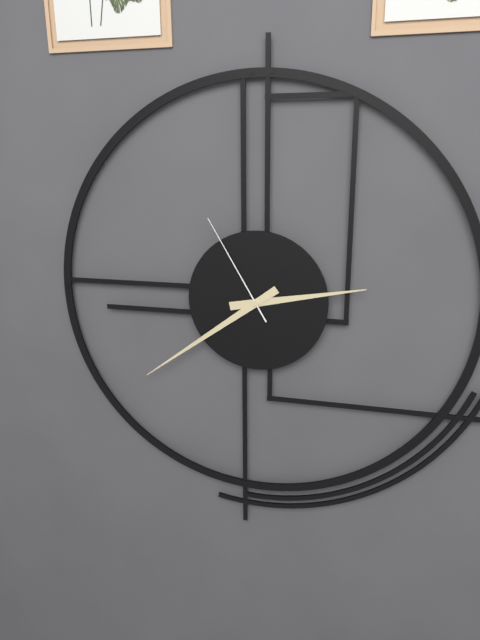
**2:39:55**
